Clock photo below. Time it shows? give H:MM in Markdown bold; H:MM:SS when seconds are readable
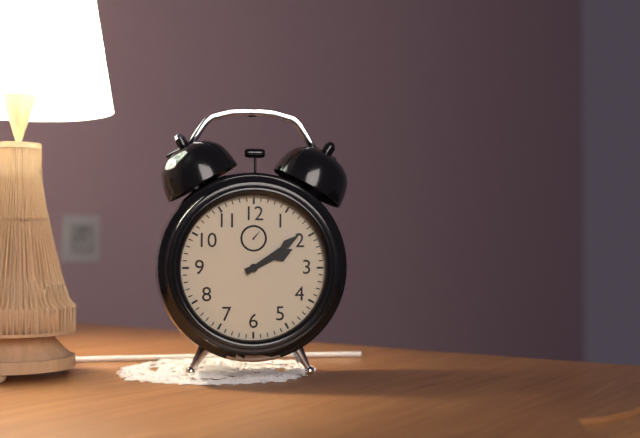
**2:09**
